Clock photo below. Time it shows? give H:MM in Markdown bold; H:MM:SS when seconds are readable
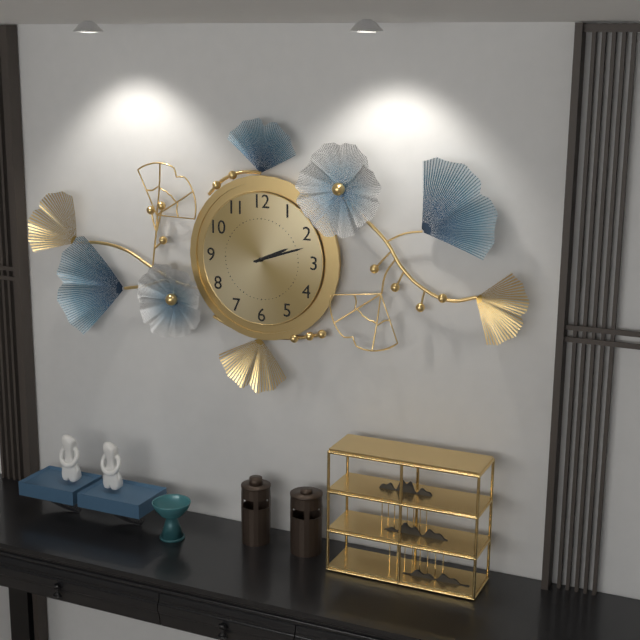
**2:12**
